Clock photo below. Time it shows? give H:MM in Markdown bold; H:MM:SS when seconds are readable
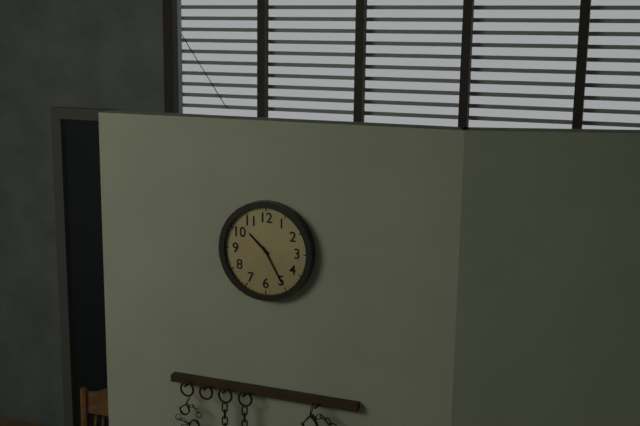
**10:25**
